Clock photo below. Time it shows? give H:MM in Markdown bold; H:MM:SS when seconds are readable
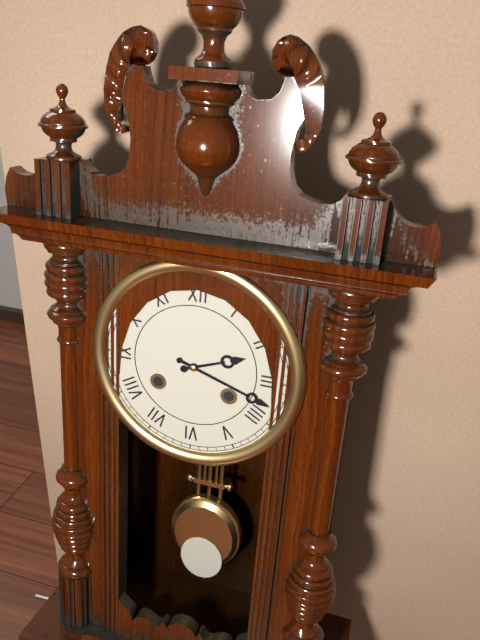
**2:18**
